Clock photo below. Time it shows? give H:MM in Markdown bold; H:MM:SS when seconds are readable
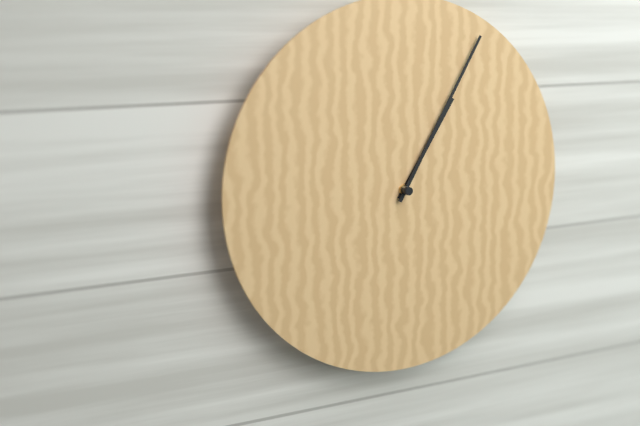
**1:05**
